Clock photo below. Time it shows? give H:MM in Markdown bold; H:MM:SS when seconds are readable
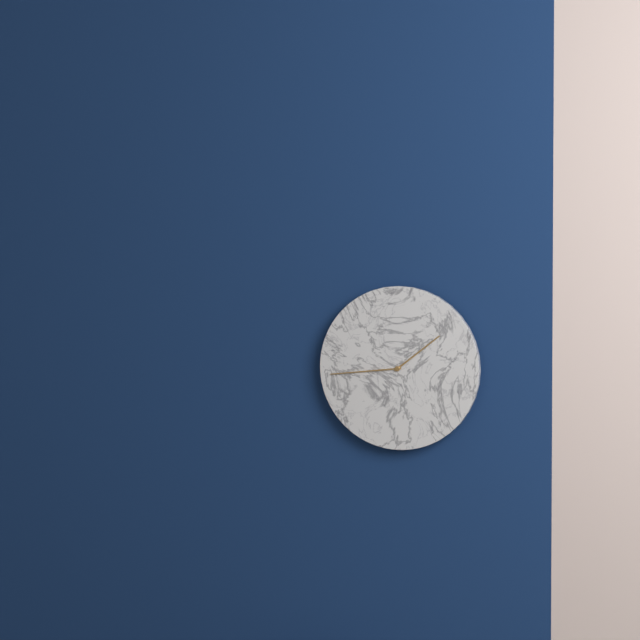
**1:44**
